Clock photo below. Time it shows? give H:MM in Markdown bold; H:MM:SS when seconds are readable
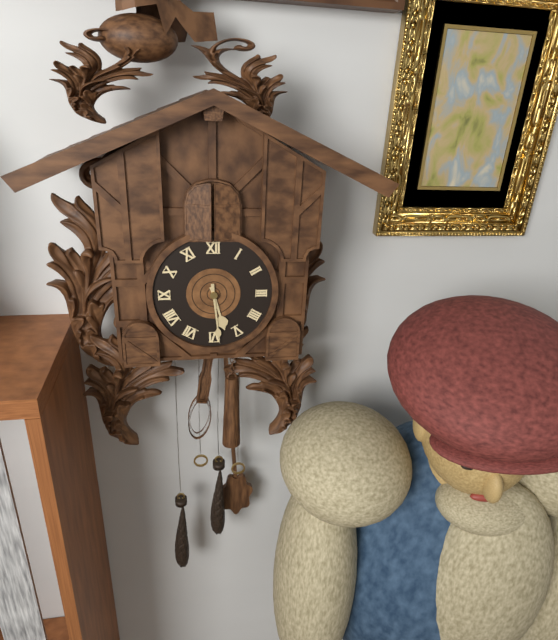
**5:29**
